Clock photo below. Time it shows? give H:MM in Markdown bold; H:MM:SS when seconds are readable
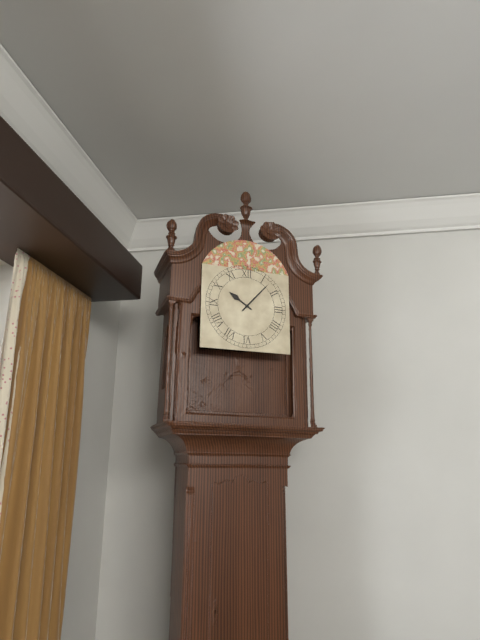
**10:07**
